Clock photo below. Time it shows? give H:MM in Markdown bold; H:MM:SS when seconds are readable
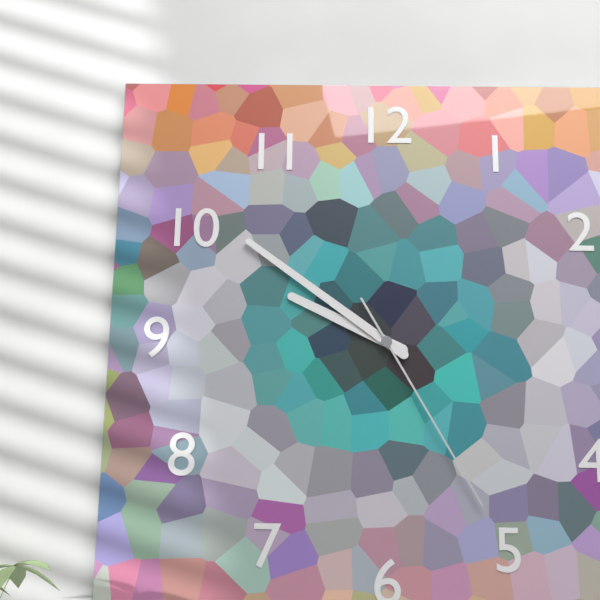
**9:51:25**
